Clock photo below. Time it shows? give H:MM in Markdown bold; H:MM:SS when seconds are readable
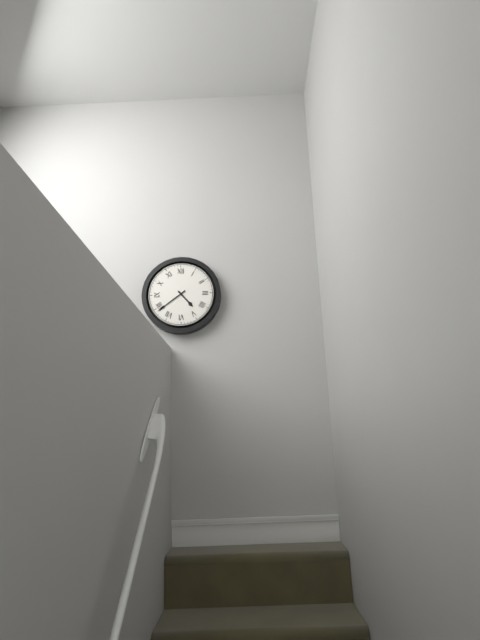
**4:39**
